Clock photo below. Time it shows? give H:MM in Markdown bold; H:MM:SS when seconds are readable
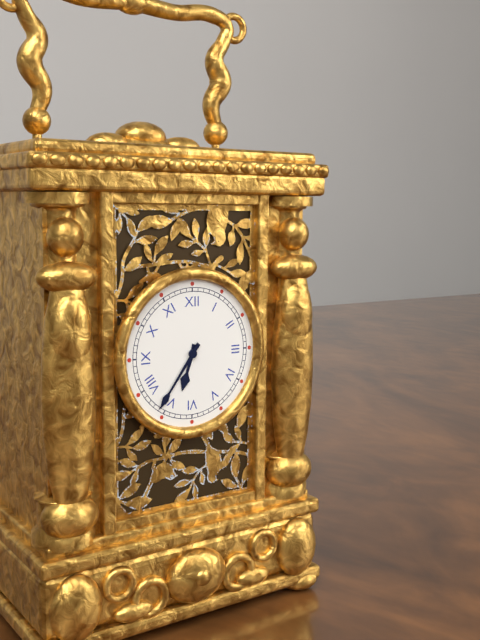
**6:36**
